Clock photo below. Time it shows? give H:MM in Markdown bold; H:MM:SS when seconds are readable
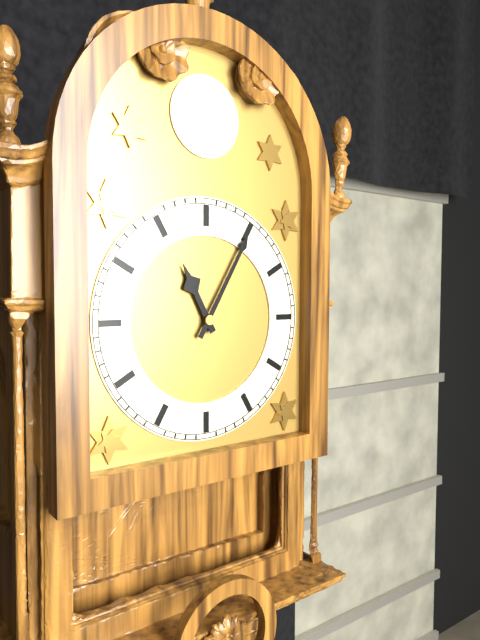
**11:05**
